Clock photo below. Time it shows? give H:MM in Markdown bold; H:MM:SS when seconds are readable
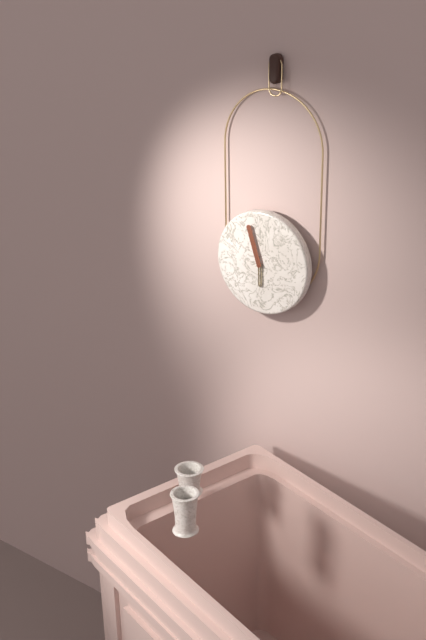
**5:57**
